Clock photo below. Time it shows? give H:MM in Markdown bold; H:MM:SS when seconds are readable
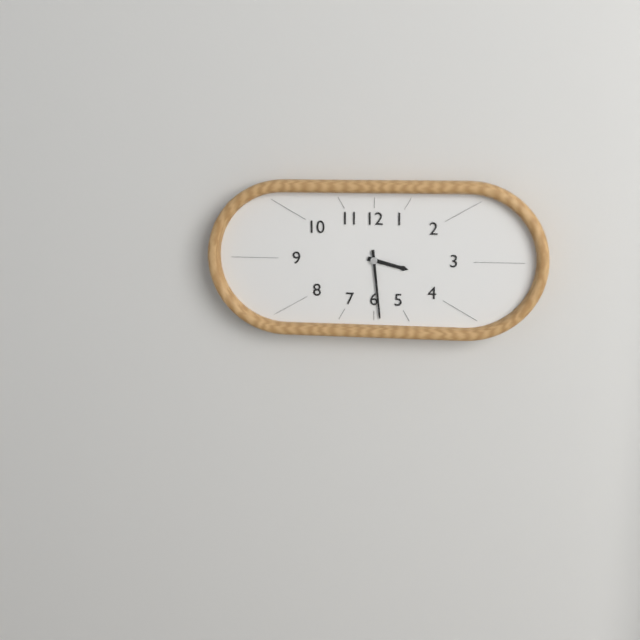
**3:29**
